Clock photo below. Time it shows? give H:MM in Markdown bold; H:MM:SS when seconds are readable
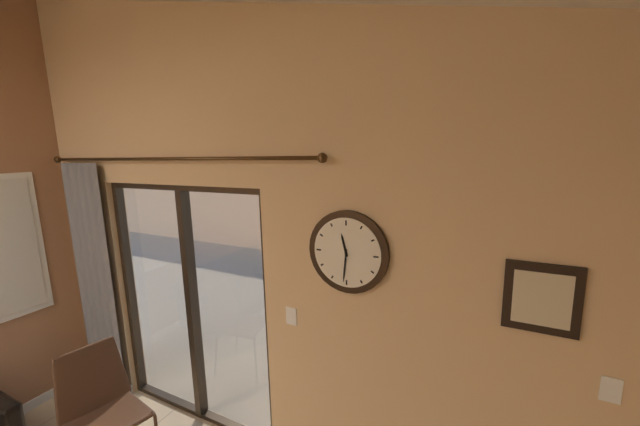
**11:31**
